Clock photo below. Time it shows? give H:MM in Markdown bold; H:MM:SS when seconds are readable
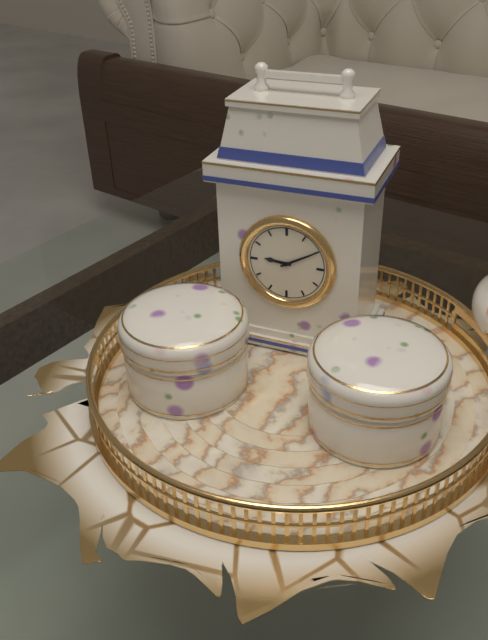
**9:10**
